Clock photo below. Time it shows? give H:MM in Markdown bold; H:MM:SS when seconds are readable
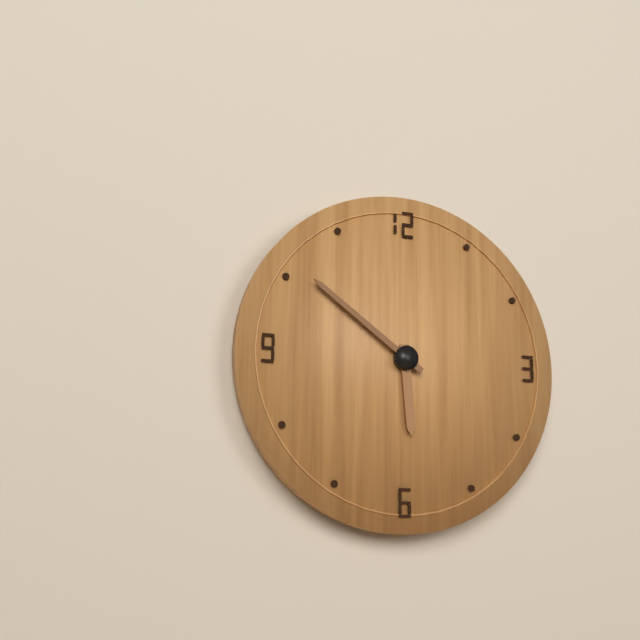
**5:51**
